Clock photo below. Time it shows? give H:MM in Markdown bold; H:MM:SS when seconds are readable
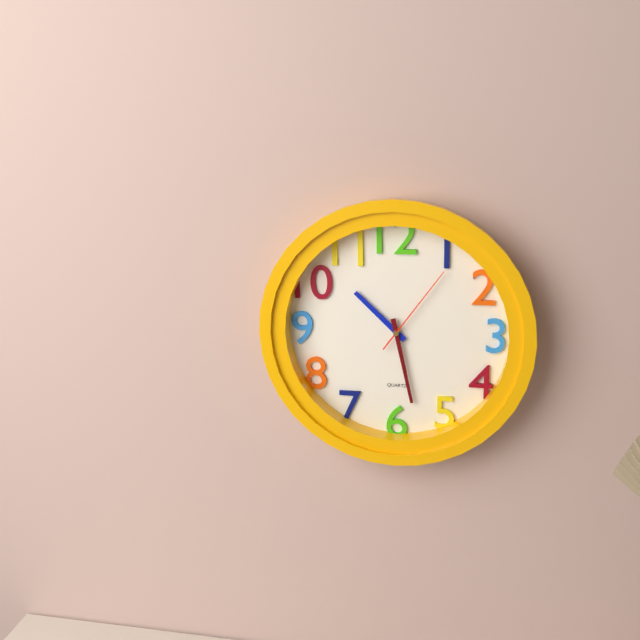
**10:28:06**
